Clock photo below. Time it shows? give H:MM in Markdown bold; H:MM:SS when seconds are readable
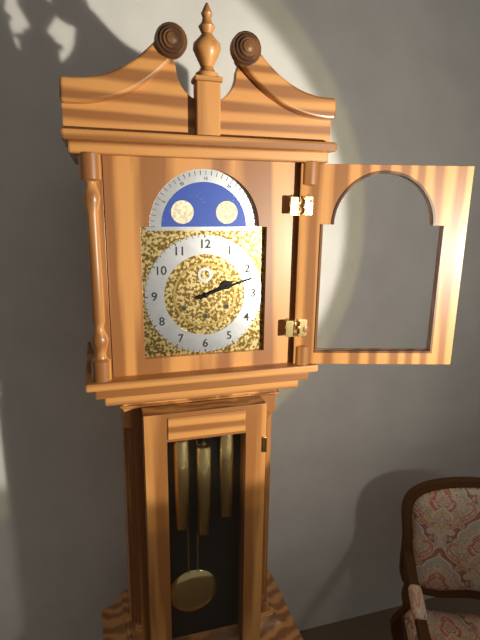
**2:12**
